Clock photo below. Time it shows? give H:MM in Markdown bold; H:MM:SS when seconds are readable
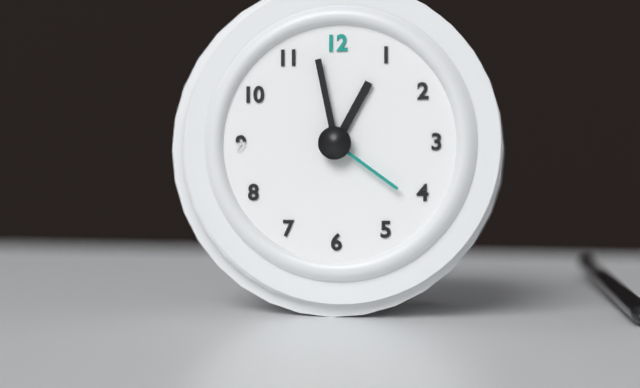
**12:58:21**
